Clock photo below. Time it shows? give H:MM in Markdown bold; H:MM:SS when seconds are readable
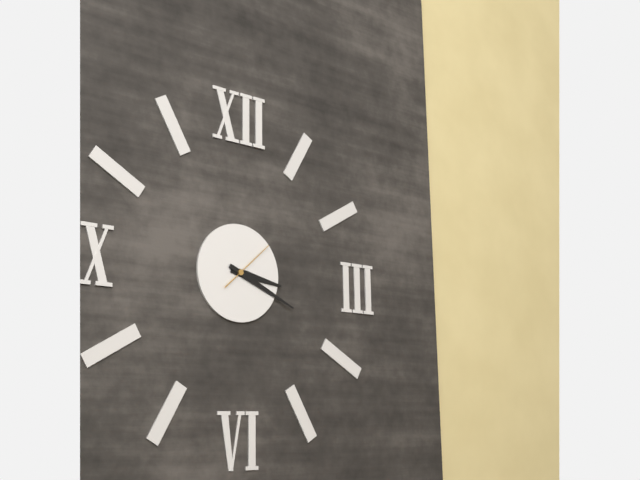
**3:19:08**
